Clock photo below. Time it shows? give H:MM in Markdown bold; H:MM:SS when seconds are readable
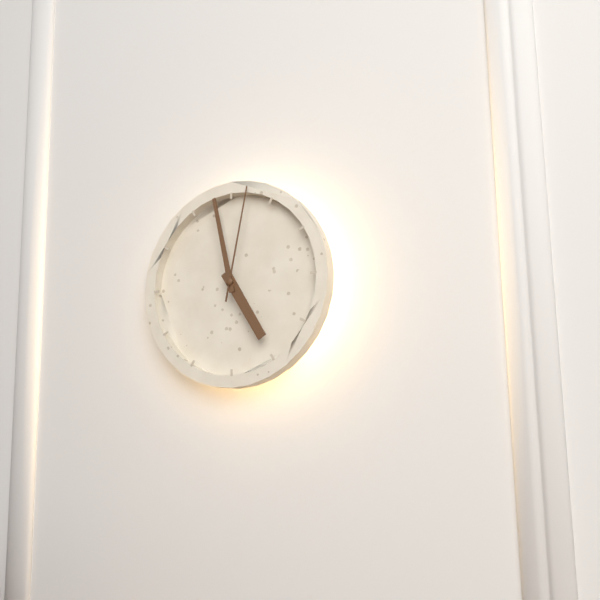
**4:58:02**
